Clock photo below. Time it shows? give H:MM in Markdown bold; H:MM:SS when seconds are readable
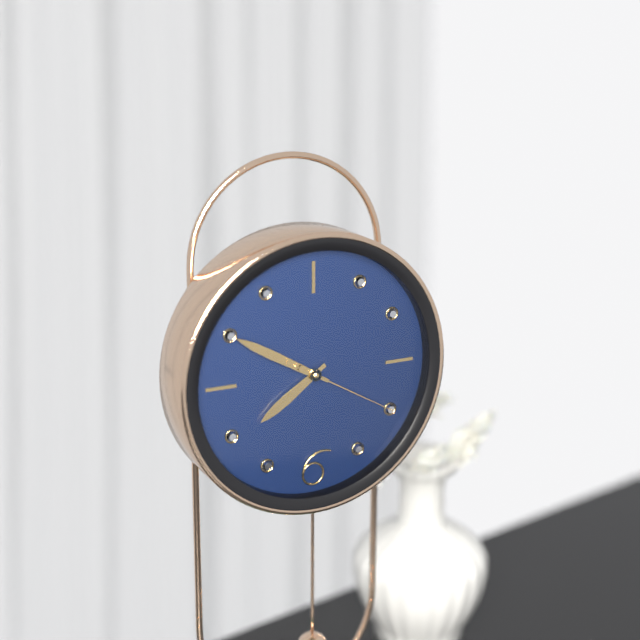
**7:50:20**
